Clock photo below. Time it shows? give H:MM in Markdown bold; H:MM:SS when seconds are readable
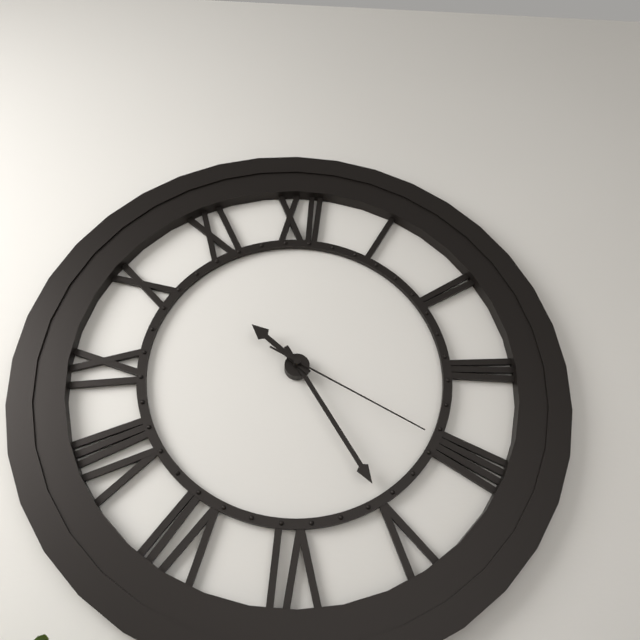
**10:25:20**
